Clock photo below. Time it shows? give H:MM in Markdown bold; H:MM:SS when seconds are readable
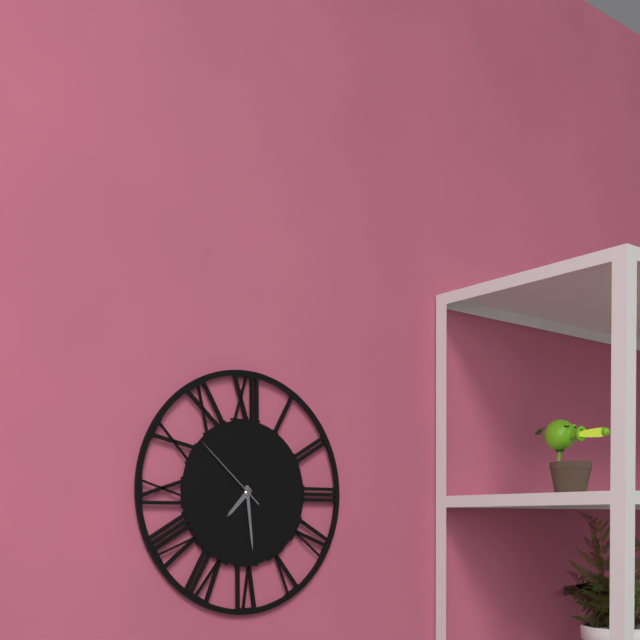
**7:29:52**
